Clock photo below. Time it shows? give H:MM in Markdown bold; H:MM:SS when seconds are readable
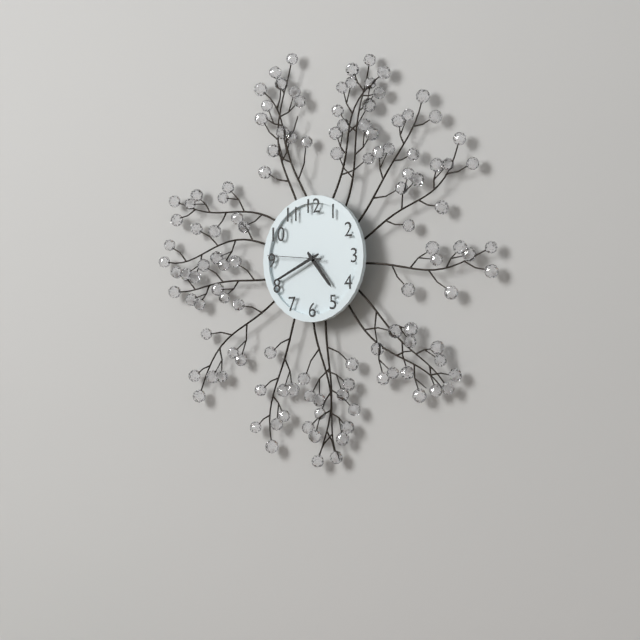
**4:41:46**
